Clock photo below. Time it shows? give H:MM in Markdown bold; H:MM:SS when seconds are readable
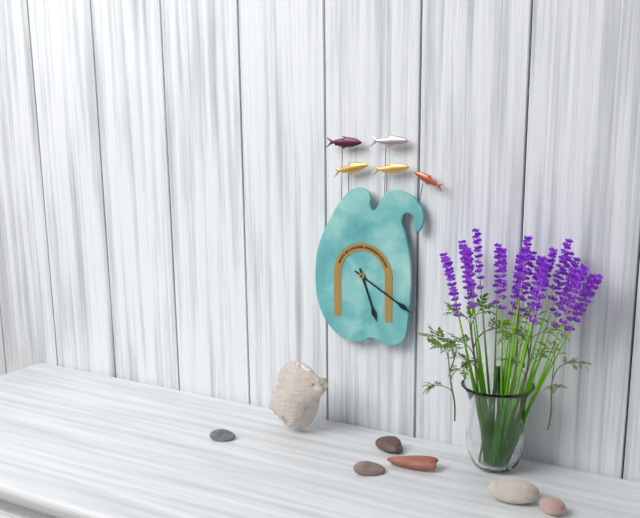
**5:20**
